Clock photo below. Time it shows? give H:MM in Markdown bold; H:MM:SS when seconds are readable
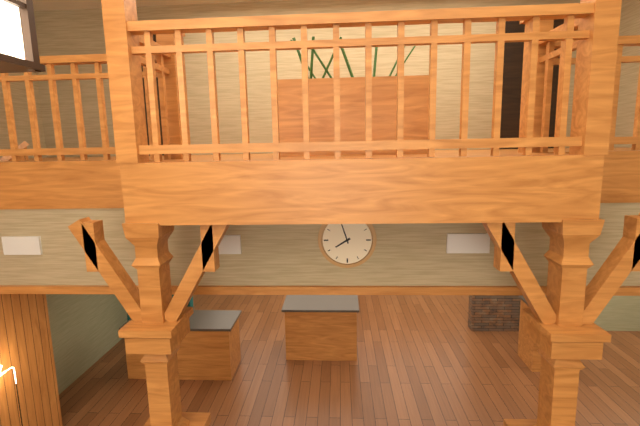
**7:57**
